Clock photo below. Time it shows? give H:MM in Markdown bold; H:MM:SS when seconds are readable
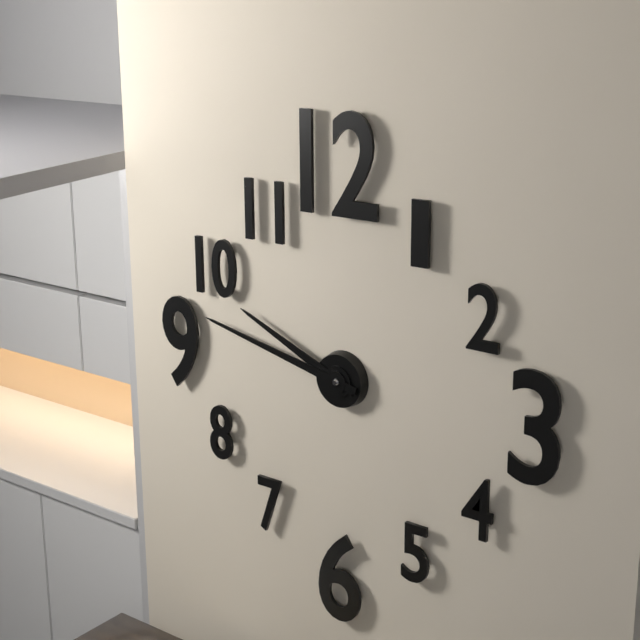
**9:47**
